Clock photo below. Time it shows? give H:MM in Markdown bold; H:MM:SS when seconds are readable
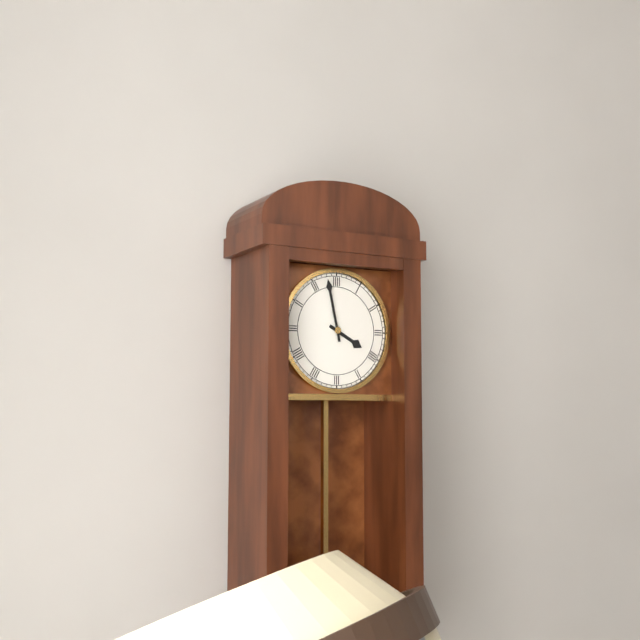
**3:58**
